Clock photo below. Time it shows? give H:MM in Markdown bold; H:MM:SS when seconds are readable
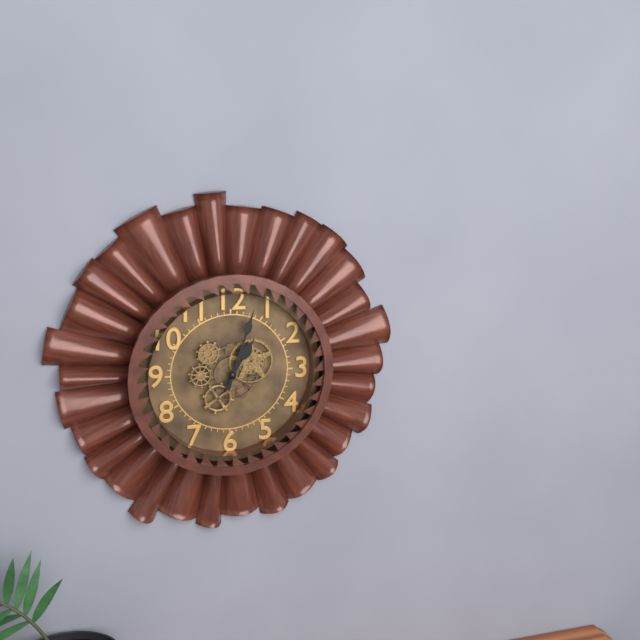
**1:03**
